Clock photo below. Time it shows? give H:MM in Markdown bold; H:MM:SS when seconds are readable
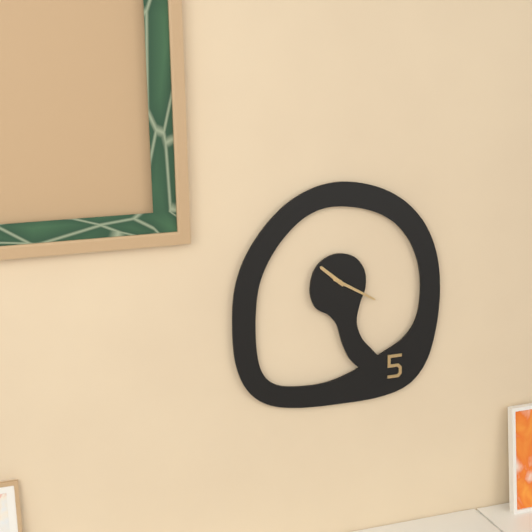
**10:20**
